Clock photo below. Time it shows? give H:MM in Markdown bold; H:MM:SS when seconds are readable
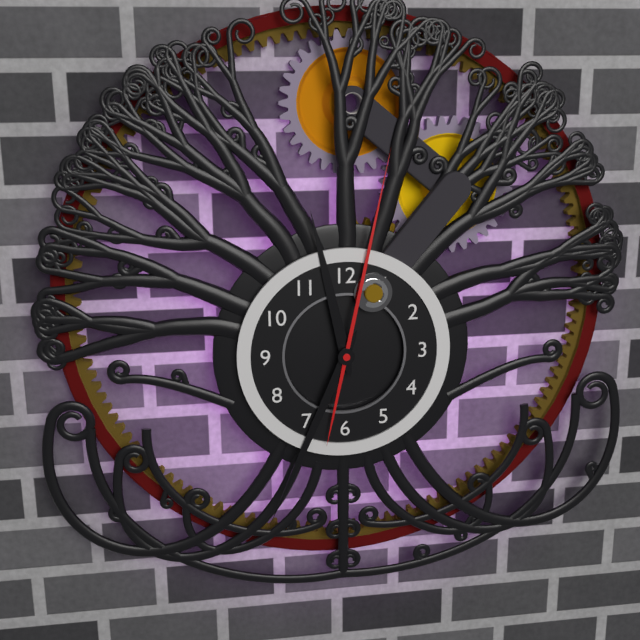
**11:34:02**
